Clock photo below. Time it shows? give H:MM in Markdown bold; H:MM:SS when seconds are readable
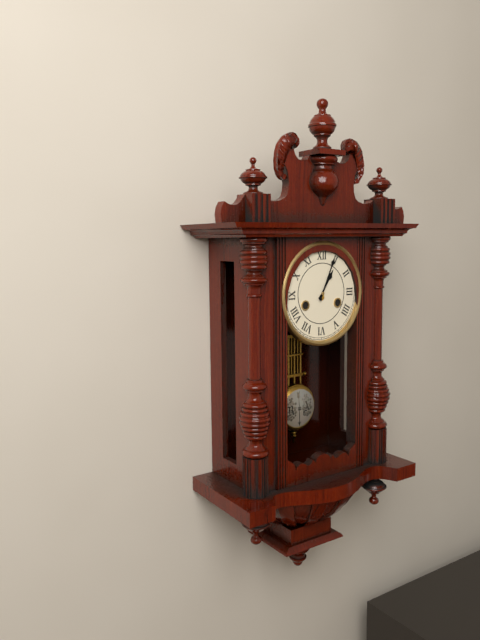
**1:04**
